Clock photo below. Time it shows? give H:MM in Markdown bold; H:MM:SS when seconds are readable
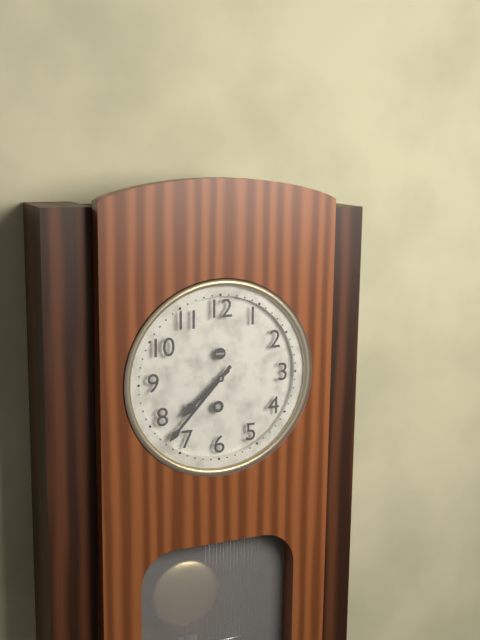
**7:37**
